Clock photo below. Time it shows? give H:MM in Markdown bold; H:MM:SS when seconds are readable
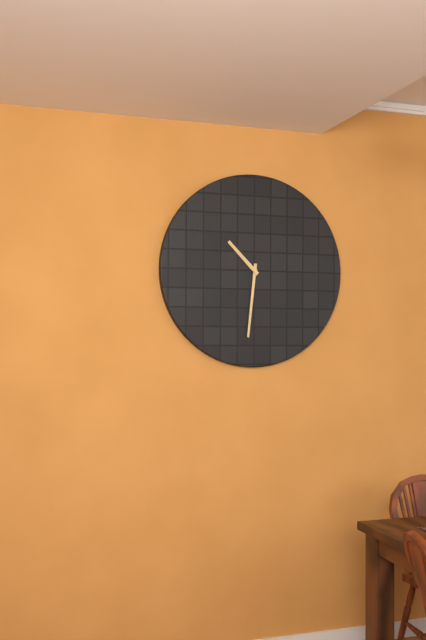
**10:31**
